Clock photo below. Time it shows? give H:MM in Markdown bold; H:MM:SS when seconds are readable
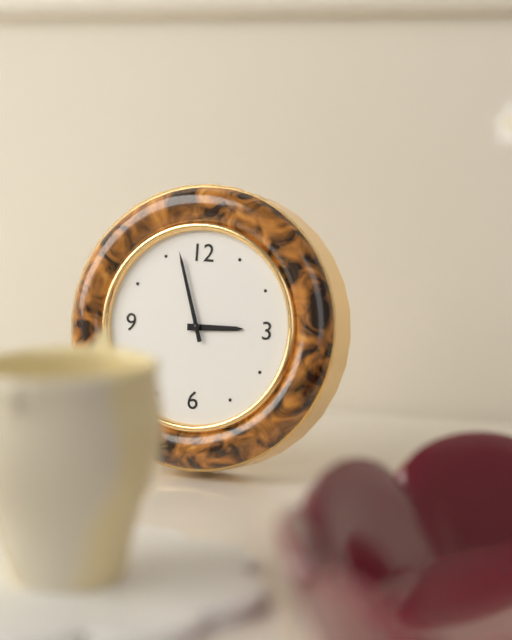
**2:57**
